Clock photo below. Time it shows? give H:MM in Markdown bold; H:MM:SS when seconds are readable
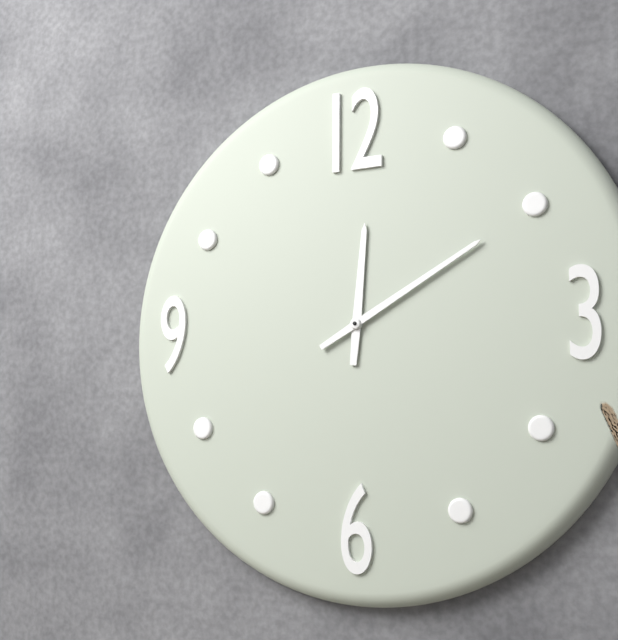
**12:10**
